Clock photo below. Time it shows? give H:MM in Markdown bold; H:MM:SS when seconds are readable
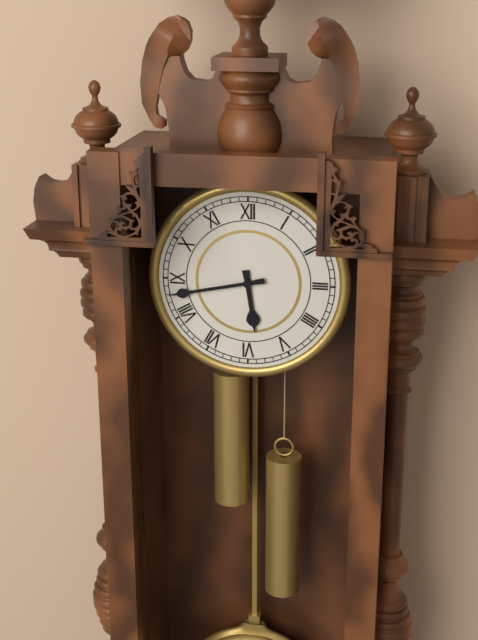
**5:43**
